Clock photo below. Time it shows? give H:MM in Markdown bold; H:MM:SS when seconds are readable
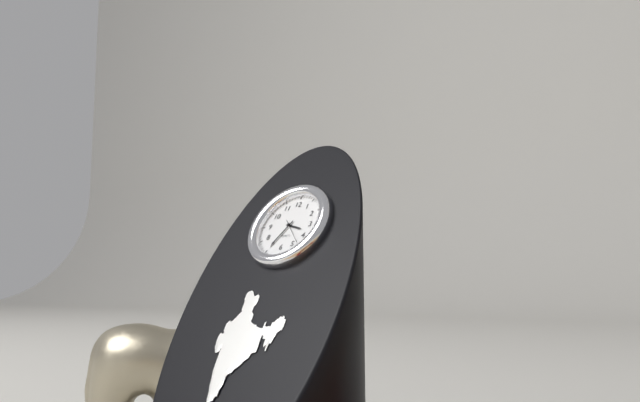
**3:35**
